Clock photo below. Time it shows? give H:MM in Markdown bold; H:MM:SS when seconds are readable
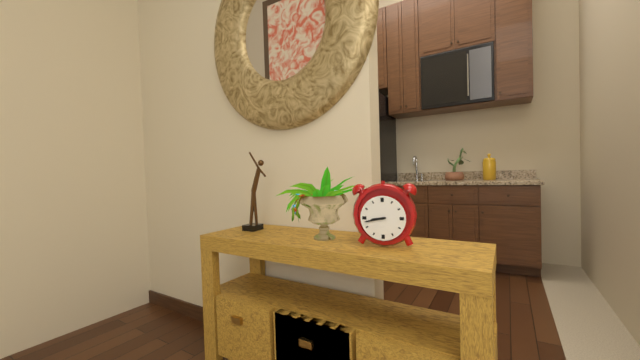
**8:43**
